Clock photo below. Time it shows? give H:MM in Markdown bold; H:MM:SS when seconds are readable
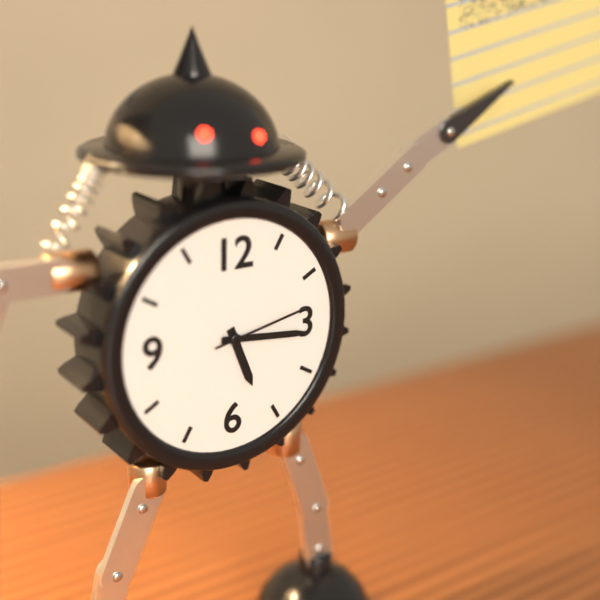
**5:16:13**
